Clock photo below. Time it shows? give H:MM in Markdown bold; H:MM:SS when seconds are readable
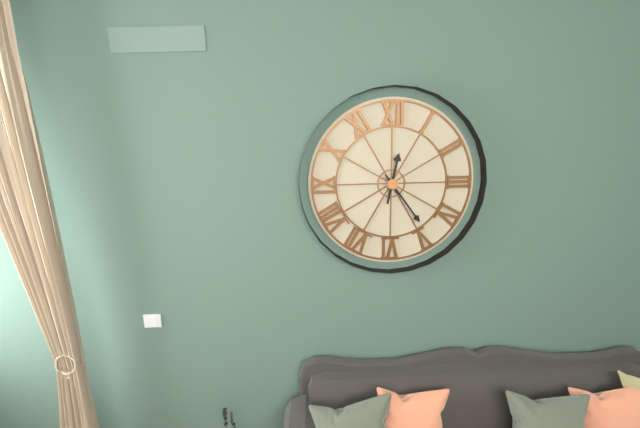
**12:24**
